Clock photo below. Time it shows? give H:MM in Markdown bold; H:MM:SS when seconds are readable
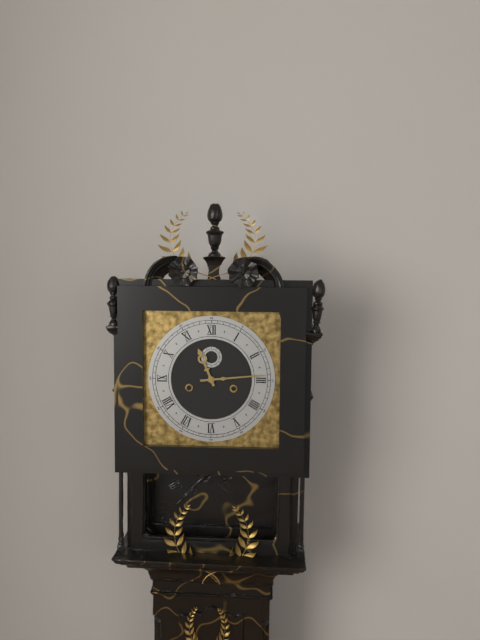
**11:14**
